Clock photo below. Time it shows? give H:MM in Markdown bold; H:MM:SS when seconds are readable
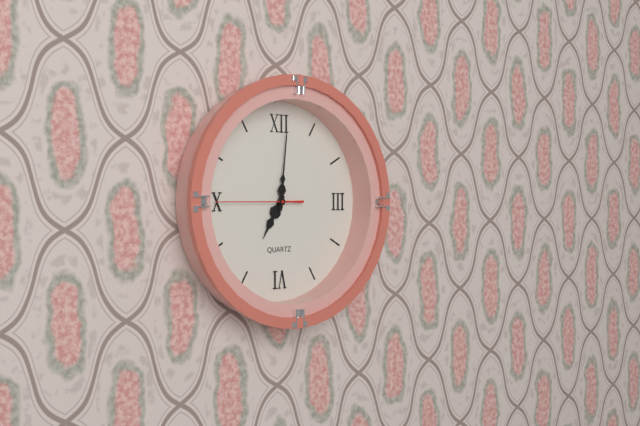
**7:01:45**
